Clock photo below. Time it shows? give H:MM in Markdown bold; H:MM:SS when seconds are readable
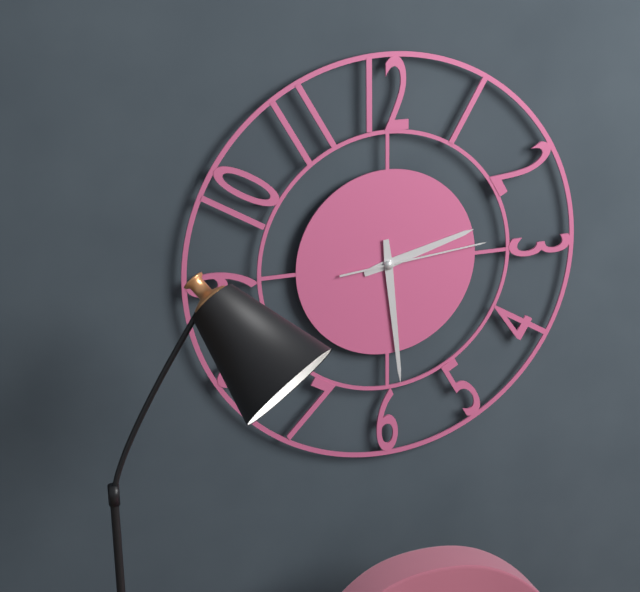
**2:29:14**
